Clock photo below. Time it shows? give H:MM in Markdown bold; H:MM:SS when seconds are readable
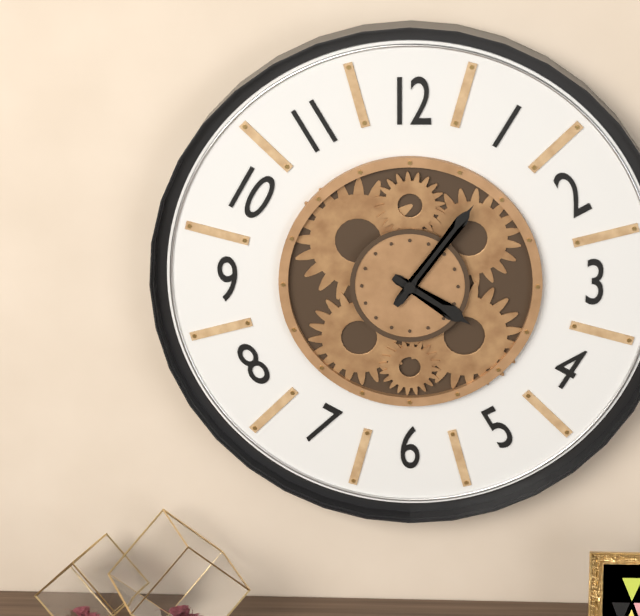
**4:06**
